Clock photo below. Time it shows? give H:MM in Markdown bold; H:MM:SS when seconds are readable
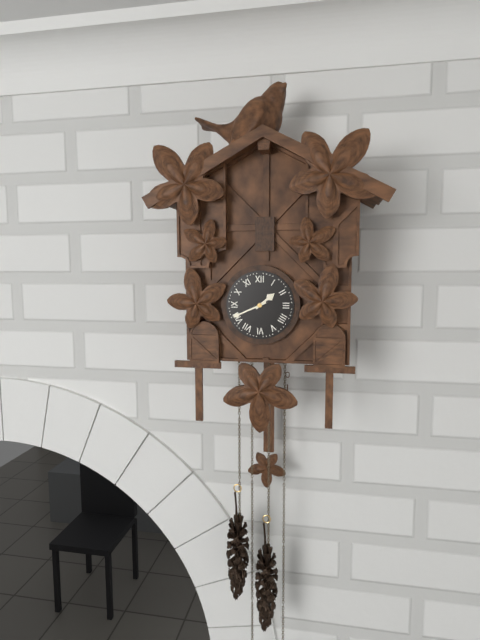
**1:41**
